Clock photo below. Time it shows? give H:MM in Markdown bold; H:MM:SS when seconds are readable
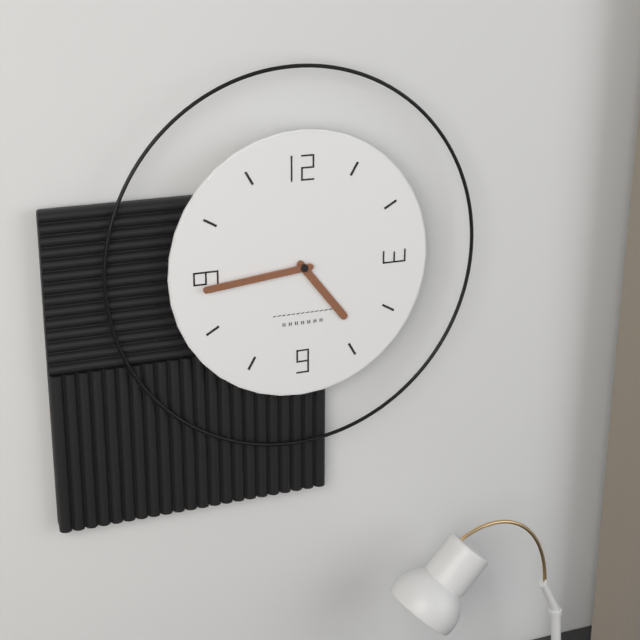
**4:44**
